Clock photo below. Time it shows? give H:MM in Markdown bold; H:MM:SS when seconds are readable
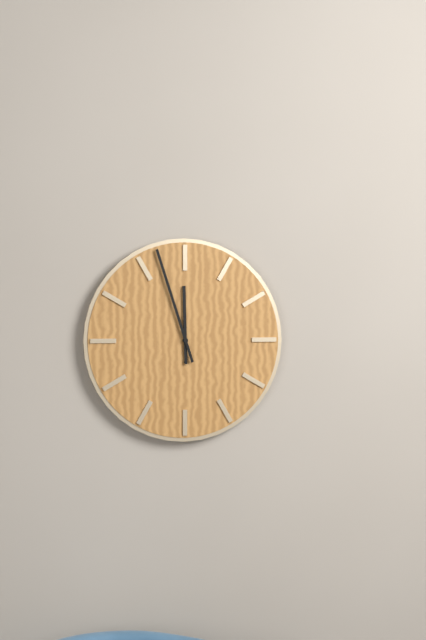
**11:57**
